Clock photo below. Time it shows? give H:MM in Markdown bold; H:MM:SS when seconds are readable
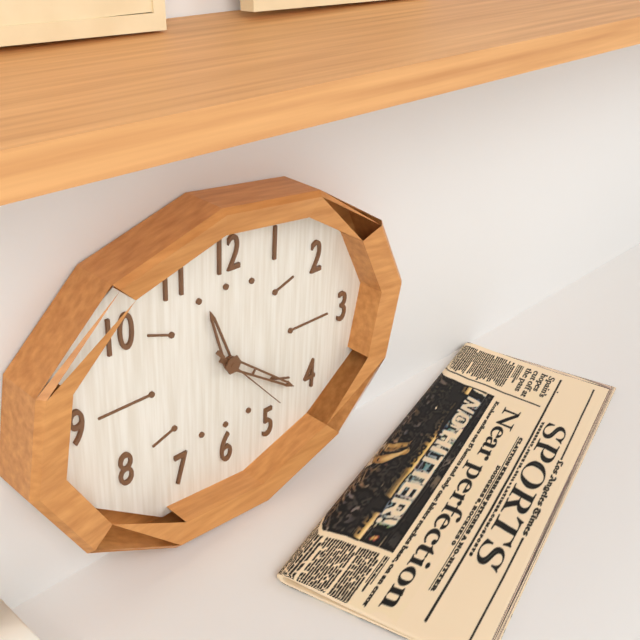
**11:21:23**
